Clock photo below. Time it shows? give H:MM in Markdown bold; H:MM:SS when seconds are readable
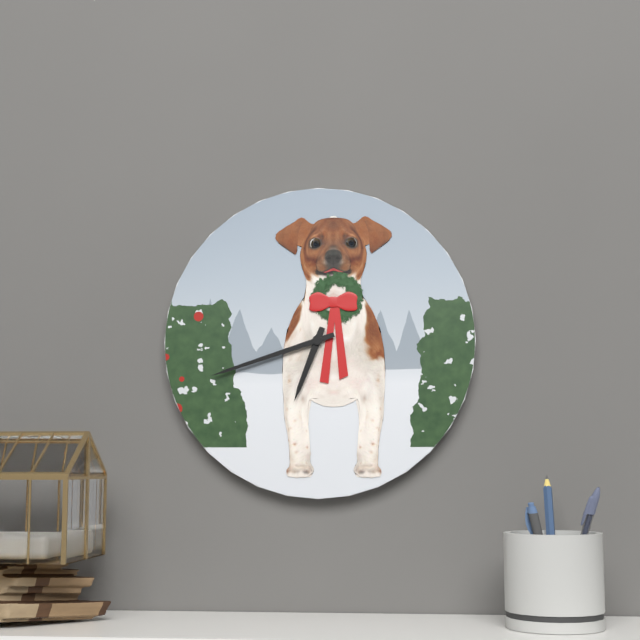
**6:42**
